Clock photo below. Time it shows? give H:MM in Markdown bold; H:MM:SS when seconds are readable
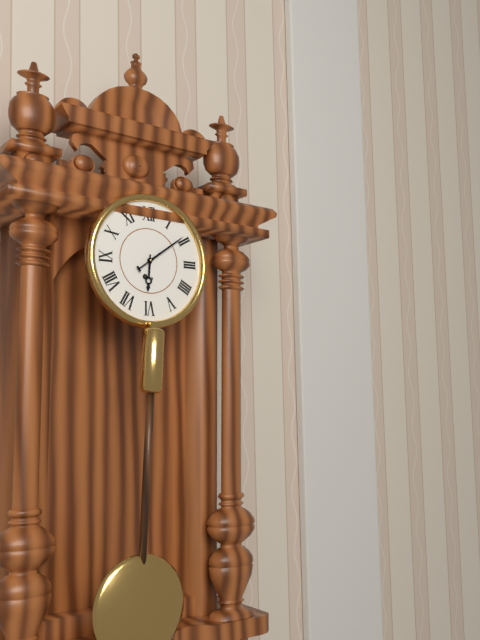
**6:09**
